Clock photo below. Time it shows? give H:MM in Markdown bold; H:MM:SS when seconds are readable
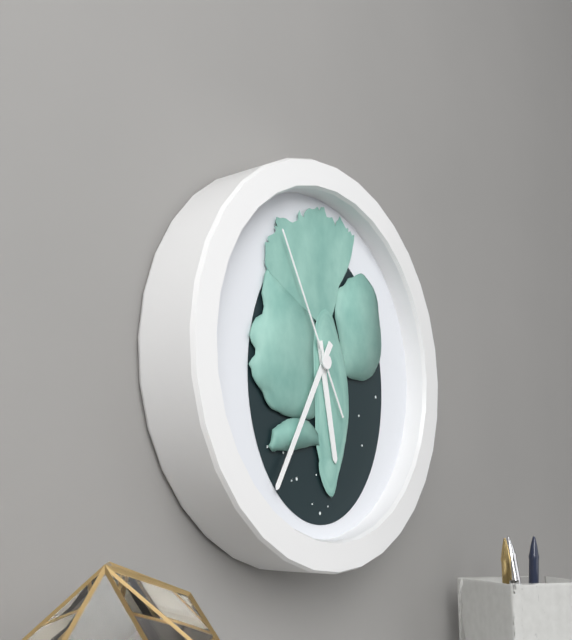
**5:35:55**
